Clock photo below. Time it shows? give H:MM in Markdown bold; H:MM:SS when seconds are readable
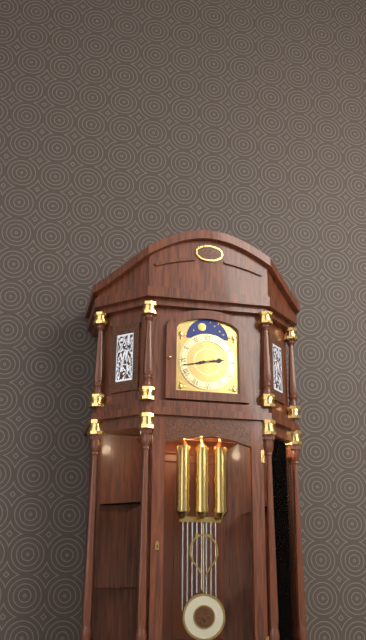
**2:43**
